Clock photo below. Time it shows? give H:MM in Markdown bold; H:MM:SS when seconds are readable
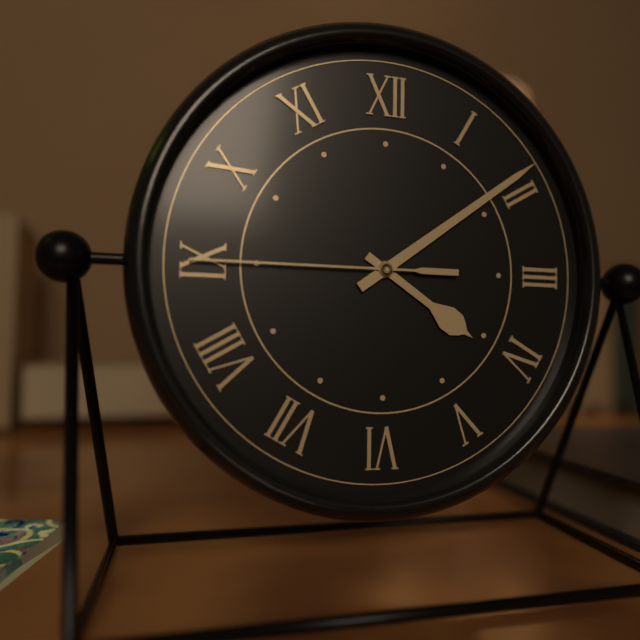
**4:09:45**
